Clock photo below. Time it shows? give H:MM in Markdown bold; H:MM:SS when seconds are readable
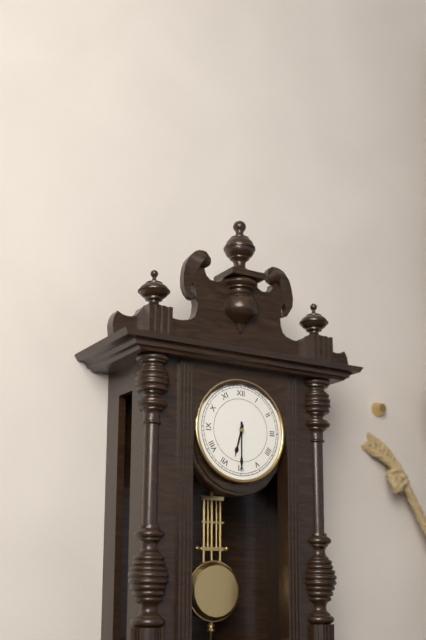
**6:30**
